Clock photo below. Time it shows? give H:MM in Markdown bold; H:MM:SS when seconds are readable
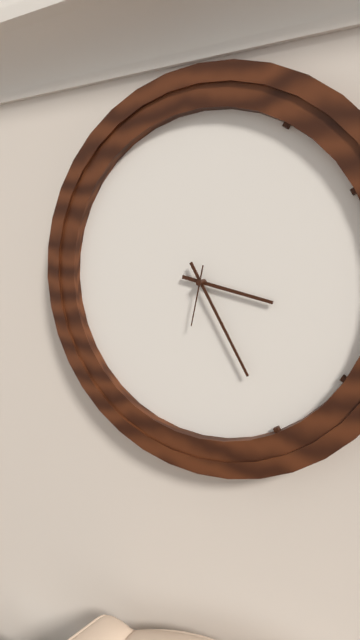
**3:25:32**
